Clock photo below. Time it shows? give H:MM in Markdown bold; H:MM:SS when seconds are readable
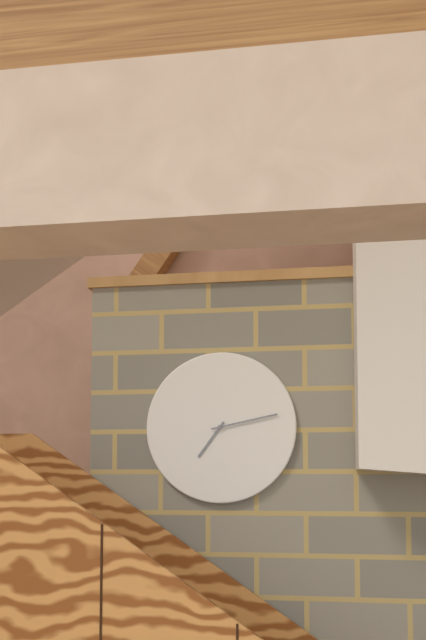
**7:13**
